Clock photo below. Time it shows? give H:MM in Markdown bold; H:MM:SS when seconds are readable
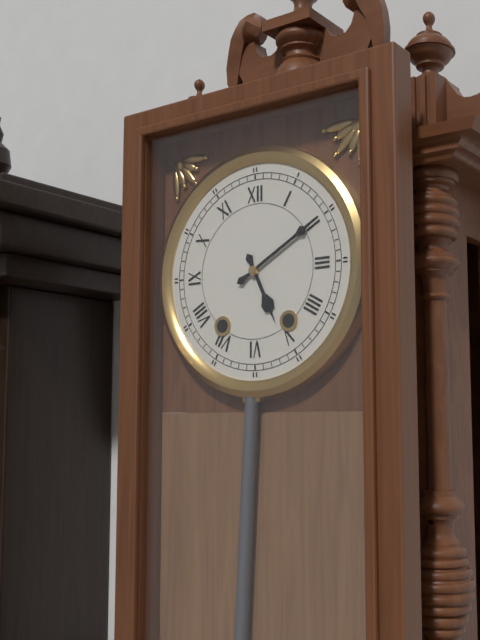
**5:10**
